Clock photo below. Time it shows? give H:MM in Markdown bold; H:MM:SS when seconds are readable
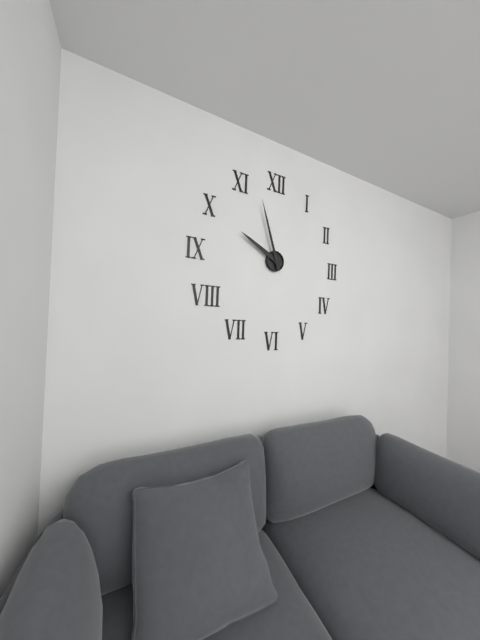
**9:57**
